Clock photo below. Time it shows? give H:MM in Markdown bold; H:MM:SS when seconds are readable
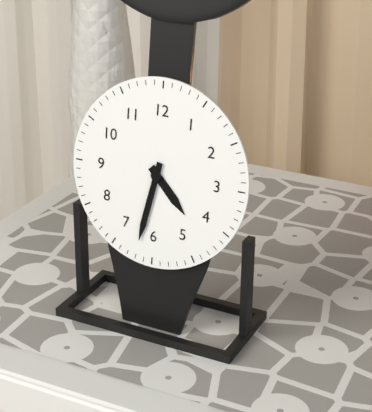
**4:32**
